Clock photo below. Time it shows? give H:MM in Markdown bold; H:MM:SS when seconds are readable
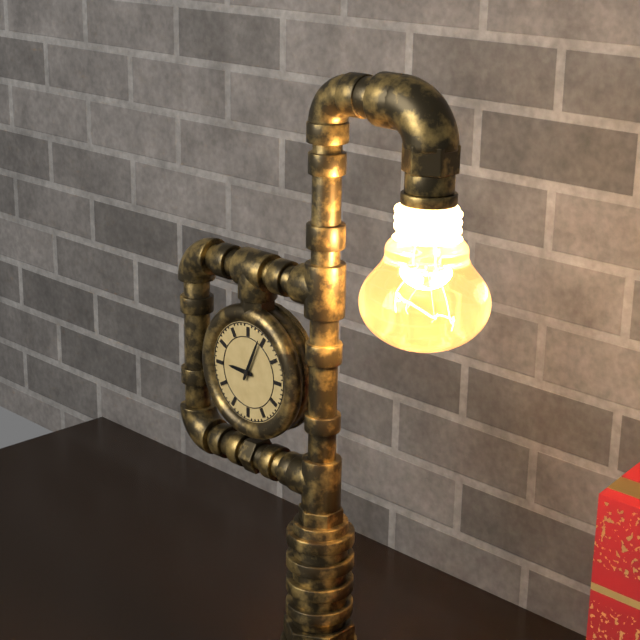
**9:04**
